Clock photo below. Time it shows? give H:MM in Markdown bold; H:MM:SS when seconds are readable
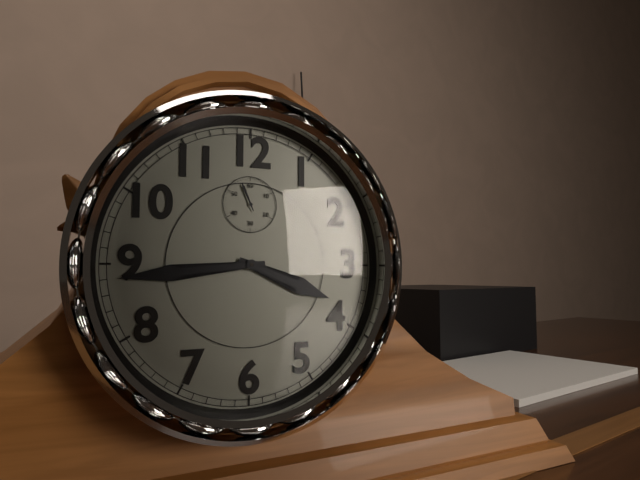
**3:44**
